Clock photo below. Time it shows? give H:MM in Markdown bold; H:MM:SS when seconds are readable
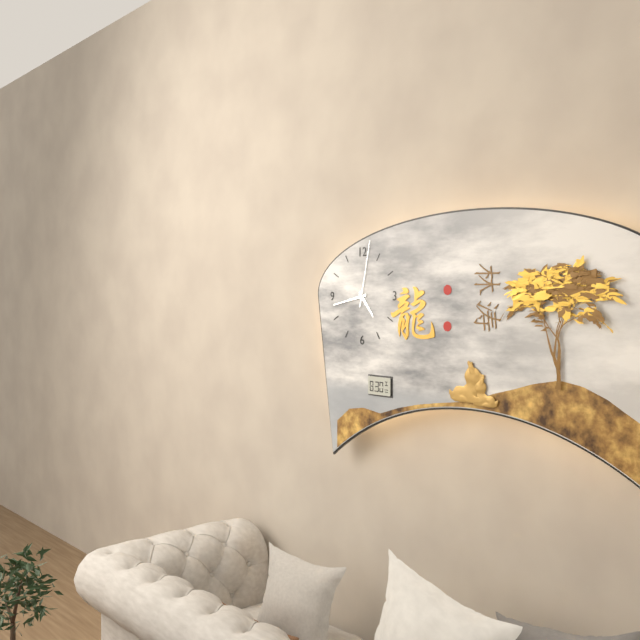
**4:43:02**
